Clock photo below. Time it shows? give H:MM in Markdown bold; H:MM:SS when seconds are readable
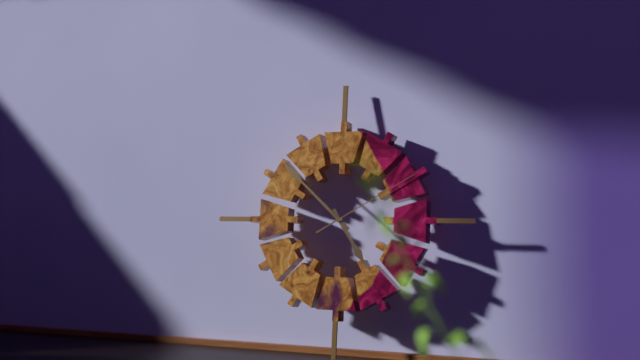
**4:52:10**
